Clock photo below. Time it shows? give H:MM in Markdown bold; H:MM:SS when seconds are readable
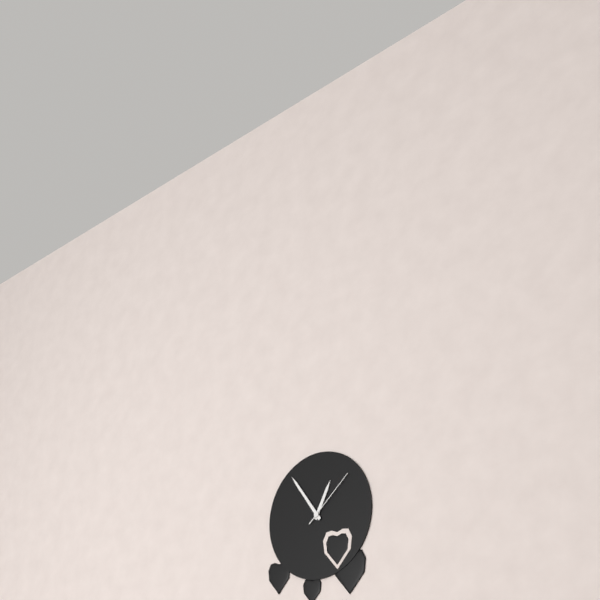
**12:54:08**
